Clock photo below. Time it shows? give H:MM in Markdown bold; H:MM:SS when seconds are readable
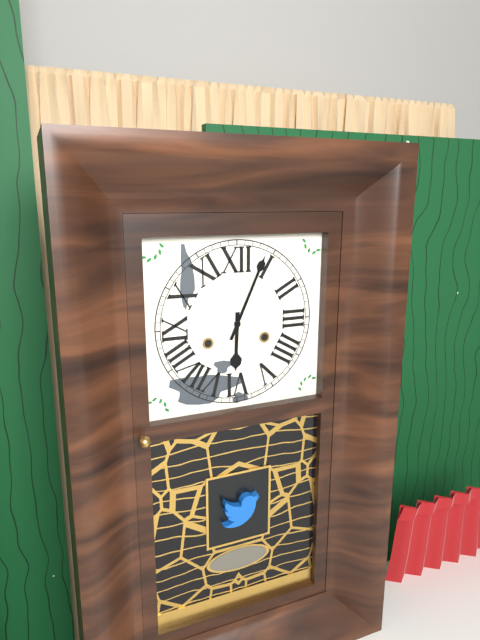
**6:04**
